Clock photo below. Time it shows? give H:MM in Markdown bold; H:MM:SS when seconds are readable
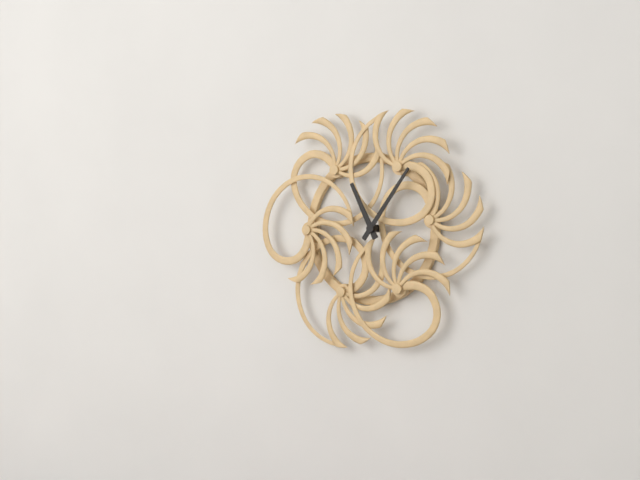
**11:06**
